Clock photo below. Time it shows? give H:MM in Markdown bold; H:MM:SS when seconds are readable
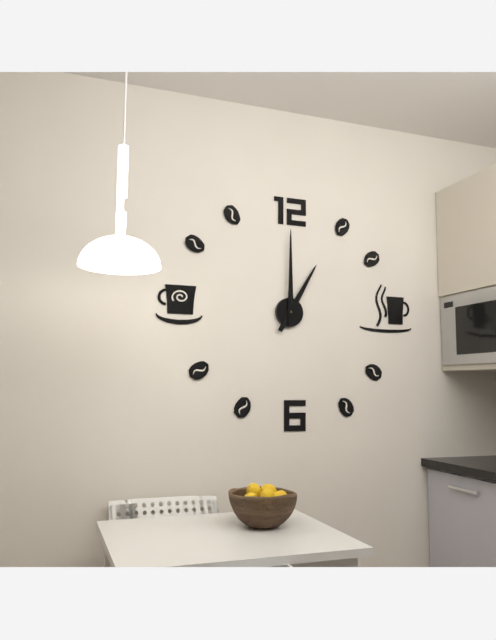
**1:00**
